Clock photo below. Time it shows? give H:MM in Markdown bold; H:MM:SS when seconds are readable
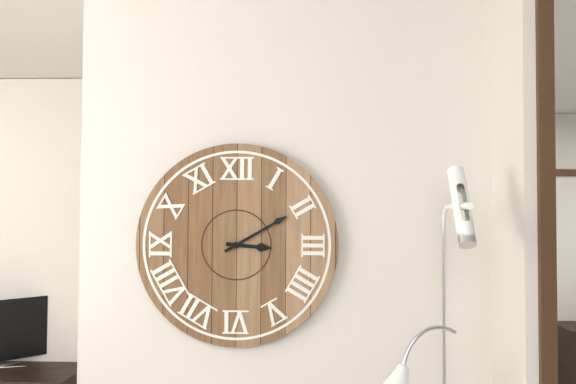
**3:10**
